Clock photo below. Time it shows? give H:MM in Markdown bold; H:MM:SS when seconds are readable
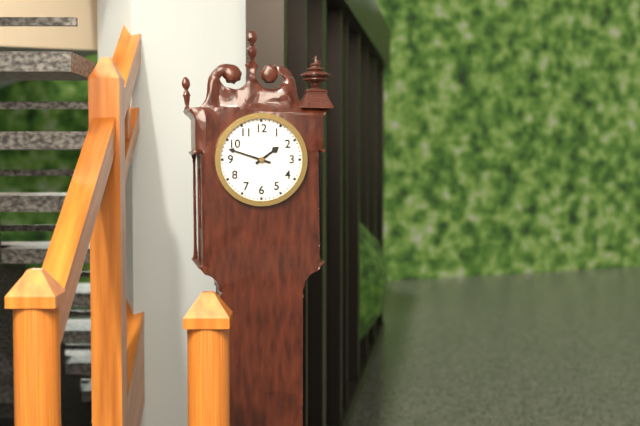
**1:48**
